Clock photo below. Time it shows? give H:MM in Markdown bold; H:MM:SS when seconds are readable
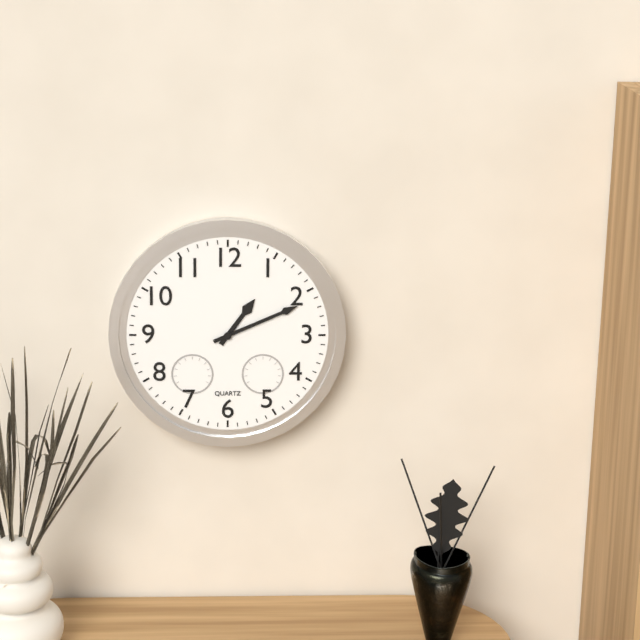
**1:11**
